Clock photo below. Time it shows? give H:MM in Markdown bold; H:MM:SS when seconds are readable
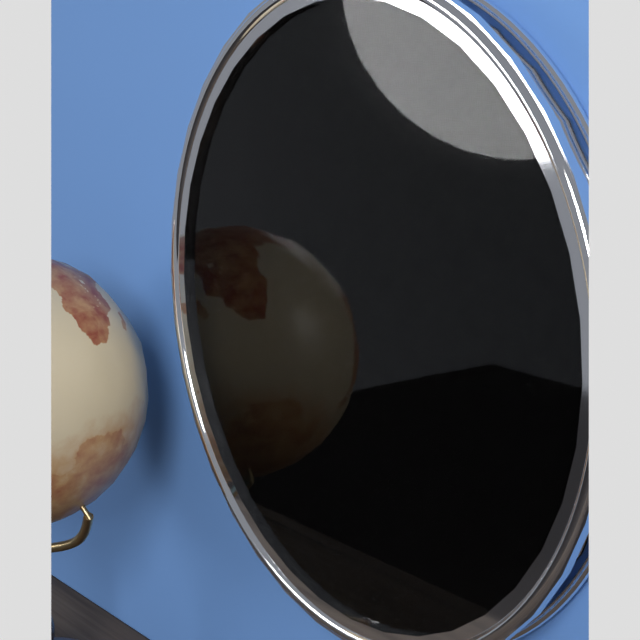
**1:11**
